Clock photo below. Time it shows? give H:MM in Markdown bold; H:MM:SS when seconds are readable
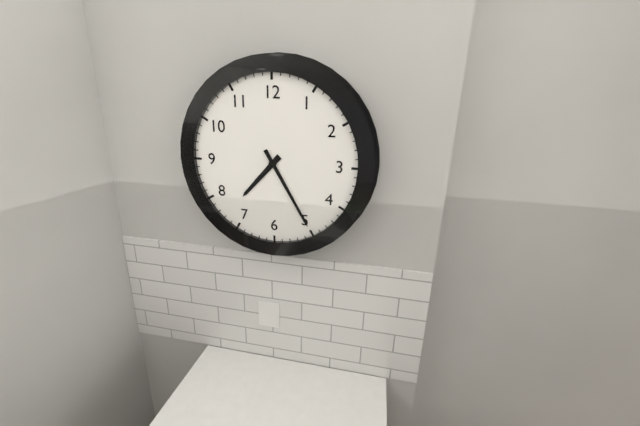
**7:25**
